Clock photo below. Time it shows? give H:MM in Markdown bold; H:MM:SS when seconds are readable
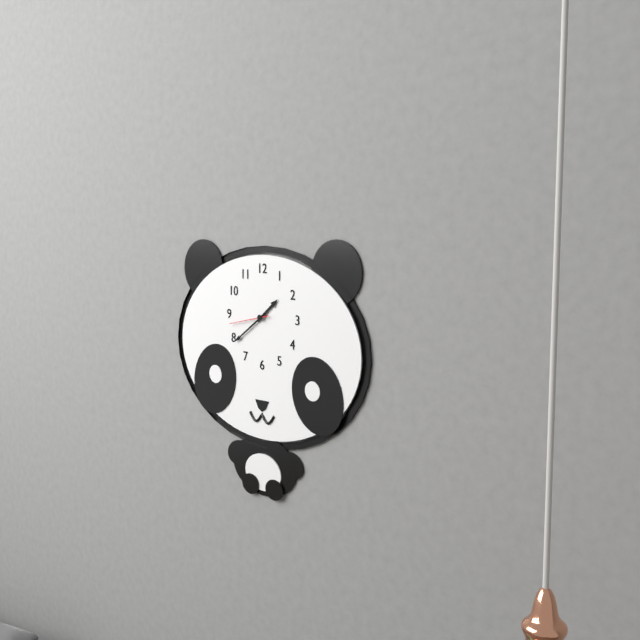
**1:39**
